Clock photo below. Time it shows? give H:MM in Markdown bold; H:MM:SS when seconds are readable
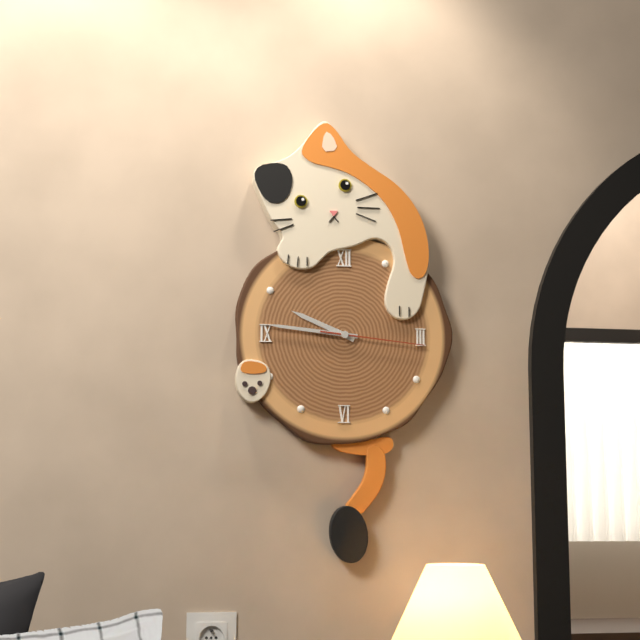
**9:46:16**
